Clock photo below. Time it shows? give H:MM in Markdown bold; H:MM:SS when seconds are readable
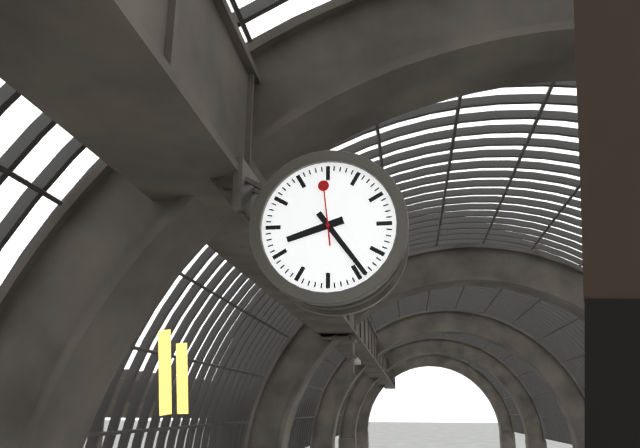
**8:24:59**
